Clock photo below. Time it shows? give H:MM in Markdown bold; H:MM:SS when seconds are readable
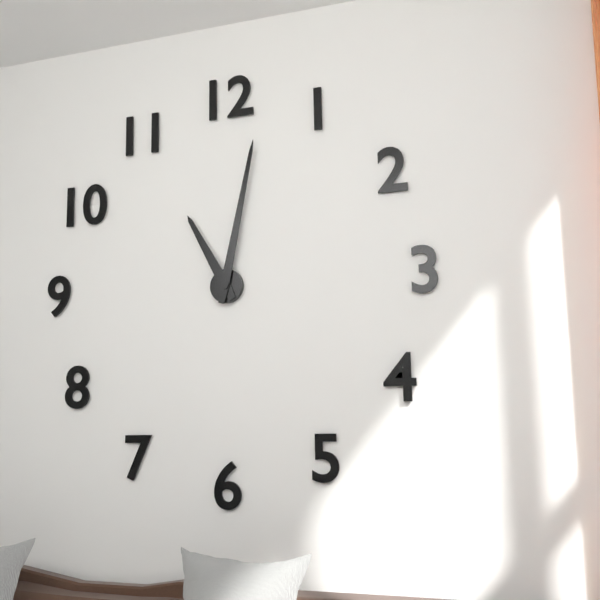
**11:02**
